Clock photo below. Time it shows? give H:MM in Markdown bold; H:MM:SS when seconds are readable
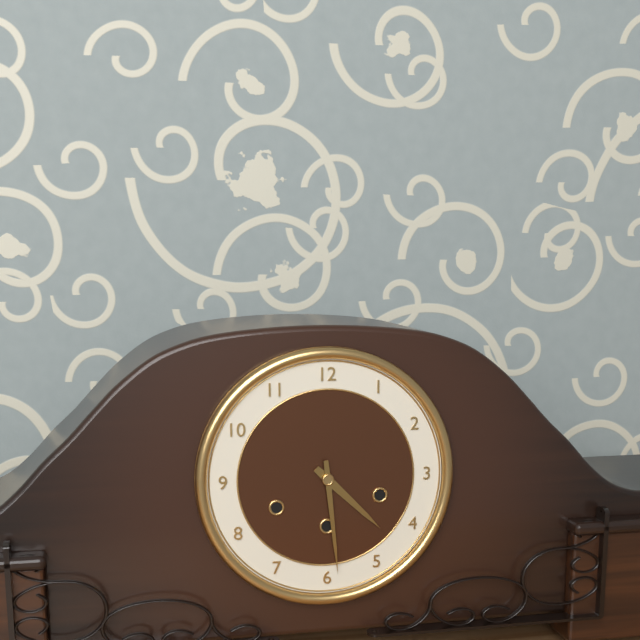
**4:29**
